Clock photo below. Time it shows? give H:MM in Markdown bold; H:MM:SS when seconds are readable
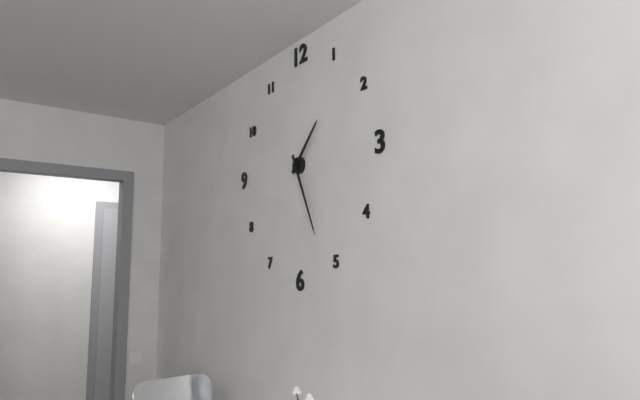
**1:26**
